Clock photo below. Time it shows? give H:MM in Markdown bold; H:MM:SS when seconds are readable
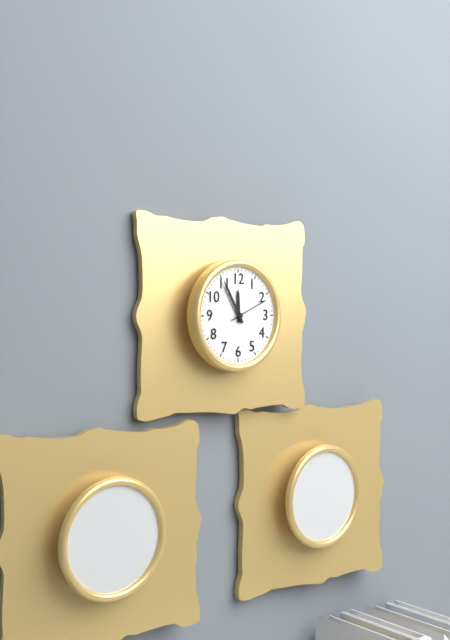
**11:55**
